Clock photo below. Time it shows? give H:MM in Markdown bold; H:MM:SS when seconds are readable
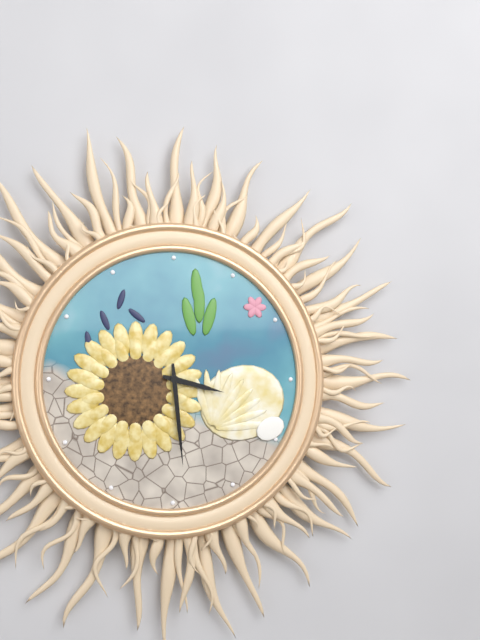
**3:29**
